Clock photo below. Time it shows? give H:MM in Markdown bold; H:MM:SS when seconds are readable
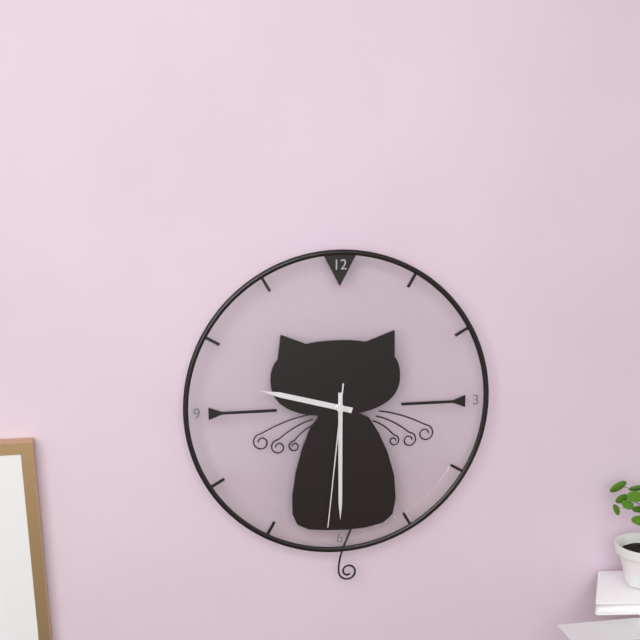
**9:30:31**
